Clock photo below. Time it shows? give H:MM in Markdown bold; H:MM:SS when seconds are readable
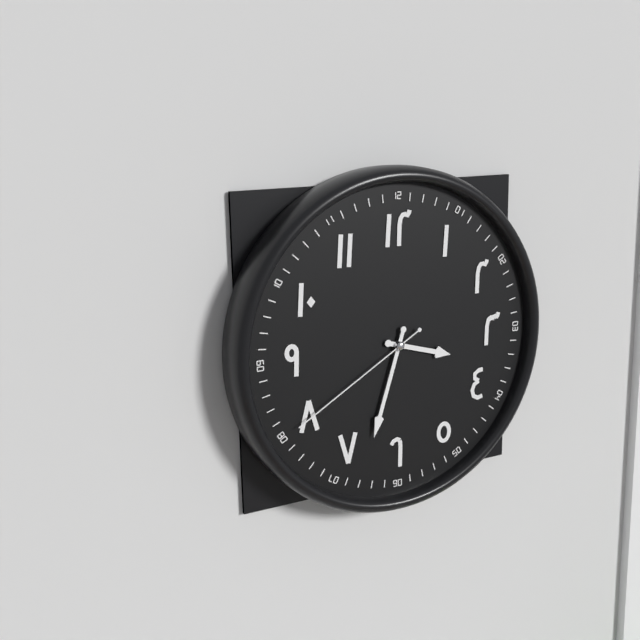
**3:33:40**
